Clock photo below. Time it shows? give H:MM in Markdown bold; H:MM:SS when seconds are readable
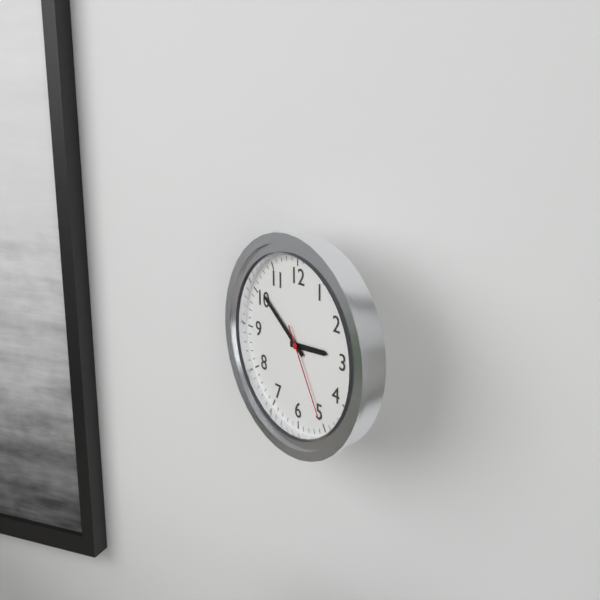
**2:51:25**
